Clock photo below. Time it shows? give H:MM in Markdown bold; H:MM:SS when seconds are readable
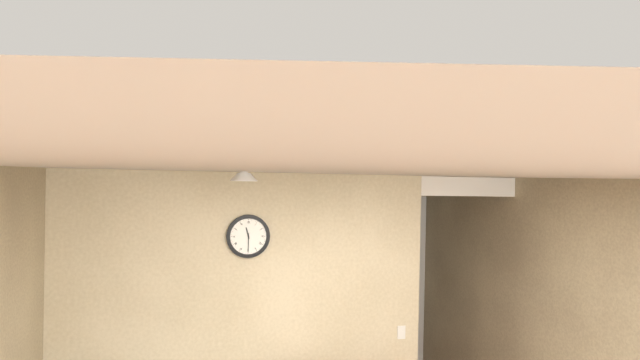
**11:30**
